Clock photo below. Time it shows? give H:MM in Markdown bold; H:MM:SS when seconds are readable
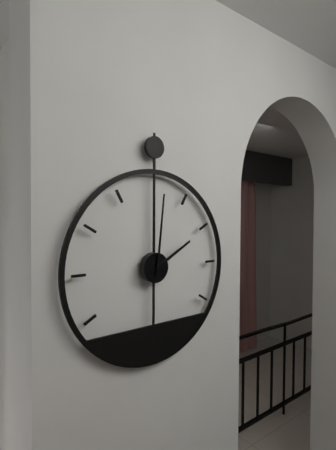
**2:01**
